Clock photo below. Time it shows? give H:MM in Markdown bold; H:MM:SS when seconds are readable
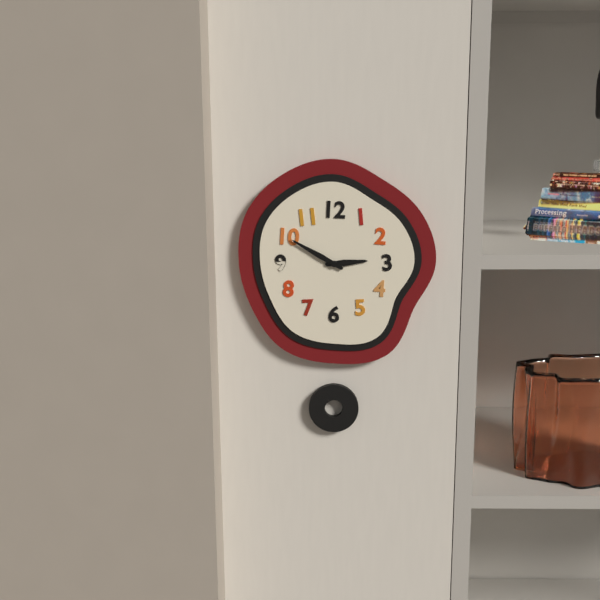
**2:50**
